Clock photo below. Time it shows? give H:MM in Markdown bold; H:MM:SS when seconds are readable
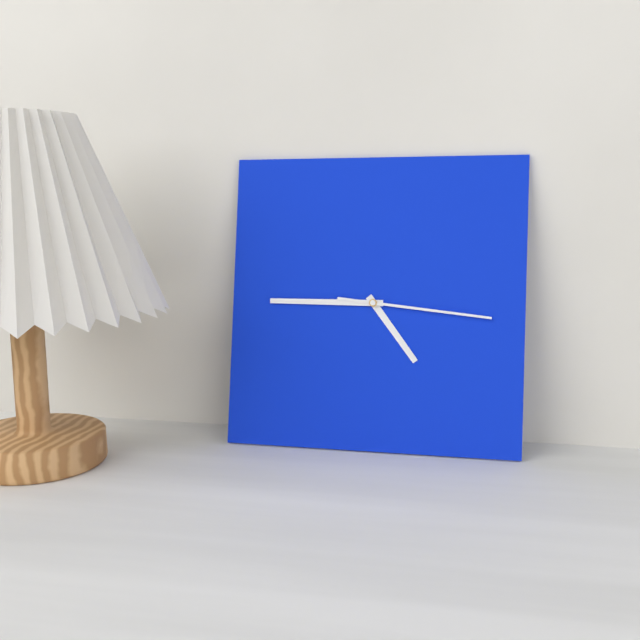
**4:45:16**
